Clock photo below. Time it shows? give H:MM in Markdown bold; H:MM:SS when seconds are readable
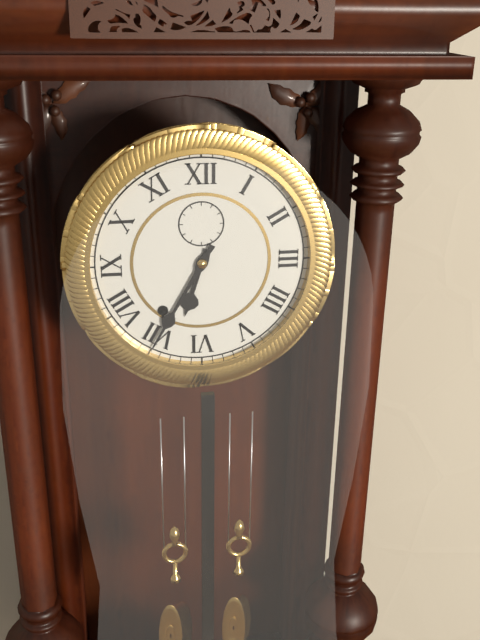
**6:35**
